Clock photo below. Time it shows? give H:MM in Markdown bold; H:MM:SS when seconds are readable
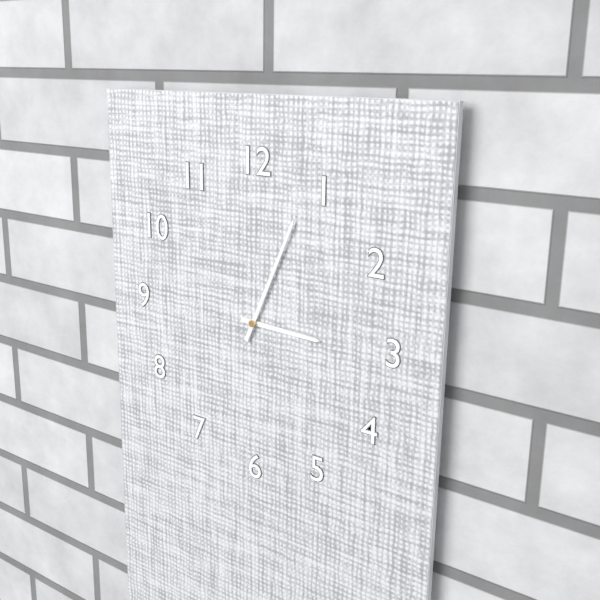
**3:04**
